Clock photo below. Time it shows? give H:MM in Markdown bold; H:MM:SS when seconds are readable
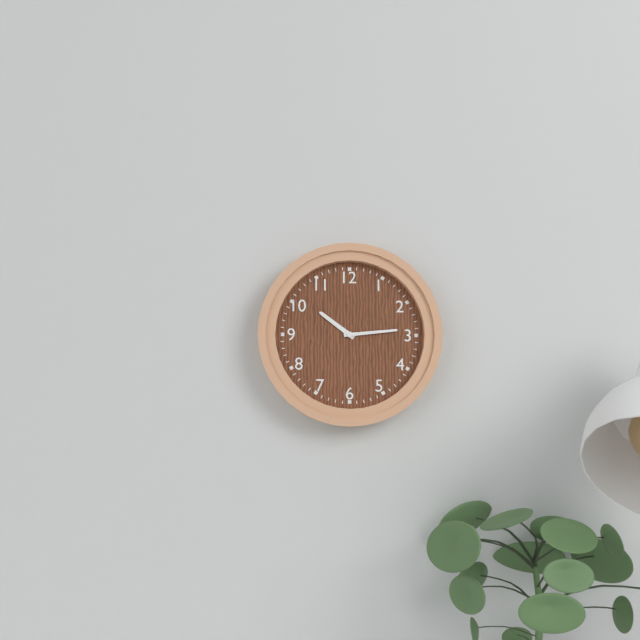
**10:14**
